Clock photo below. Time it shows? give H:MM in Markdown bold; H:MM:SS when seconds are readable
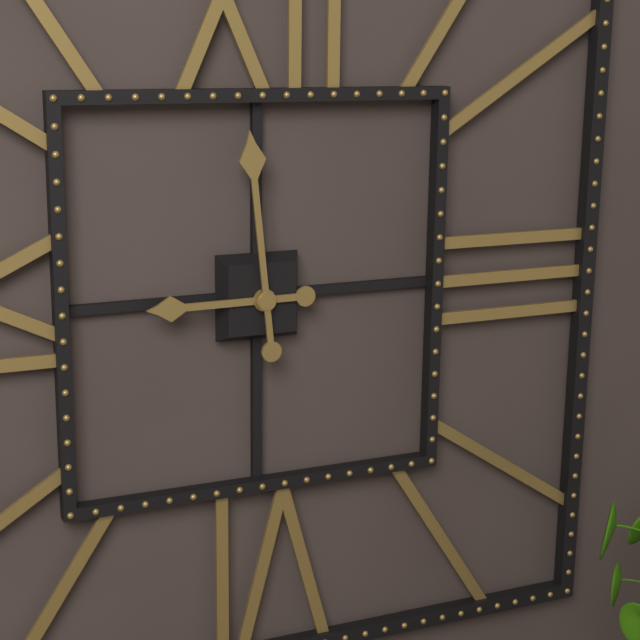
**8:59**
